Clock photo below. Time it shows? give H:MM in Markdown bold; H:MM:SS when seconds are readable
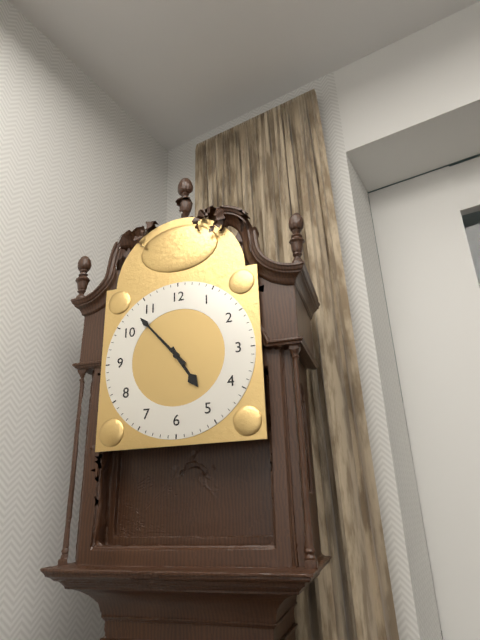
**4:53**
